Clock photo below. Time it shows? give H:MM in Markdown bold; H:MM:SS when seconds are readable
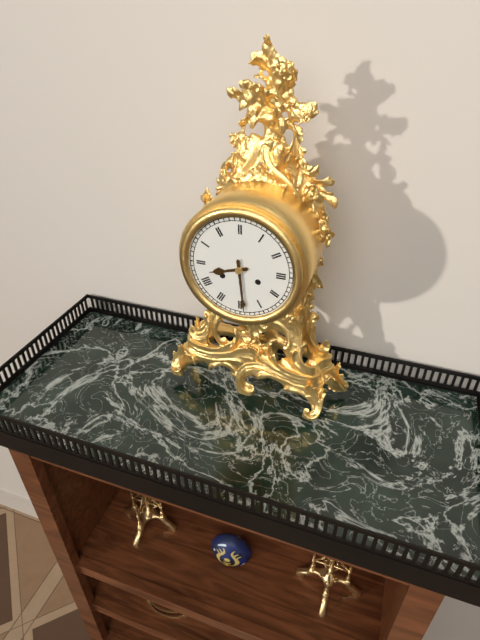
**8:29**
